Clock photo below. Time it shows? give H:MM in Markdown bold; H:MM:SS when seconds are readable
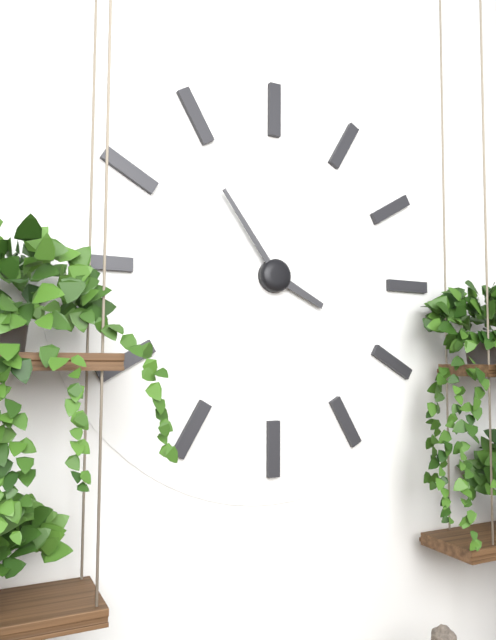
**3:54**
